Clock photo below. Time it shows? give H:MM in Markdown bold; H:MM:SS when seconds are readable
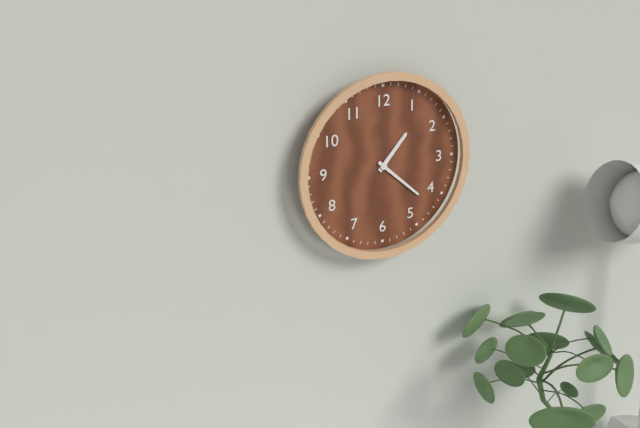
**1:22**
